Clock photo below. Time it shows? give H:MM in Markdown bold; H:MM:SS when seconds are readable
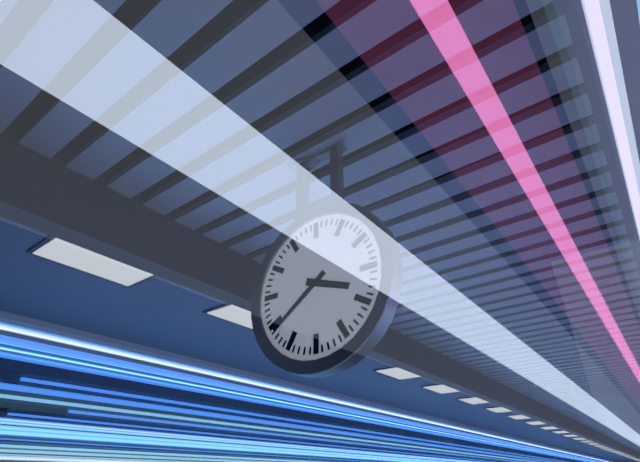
**3:39**
